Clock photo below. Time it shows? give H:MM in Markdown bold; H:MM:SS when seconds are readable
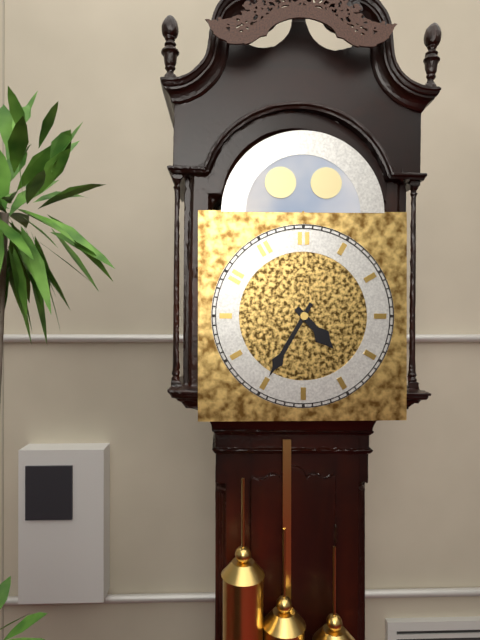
**4:35**
